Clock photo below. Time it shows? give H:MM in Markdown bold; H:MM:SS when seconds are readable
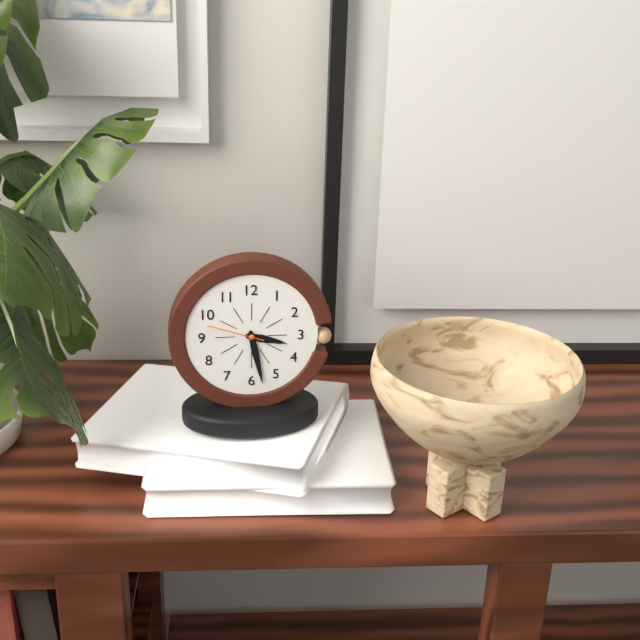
**3:28:48**
